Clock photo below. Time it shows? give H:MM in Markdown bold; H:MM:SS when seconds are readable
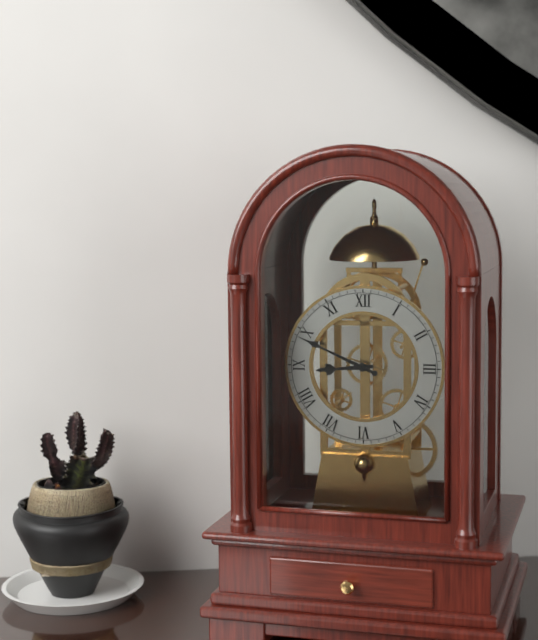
**8:49**
